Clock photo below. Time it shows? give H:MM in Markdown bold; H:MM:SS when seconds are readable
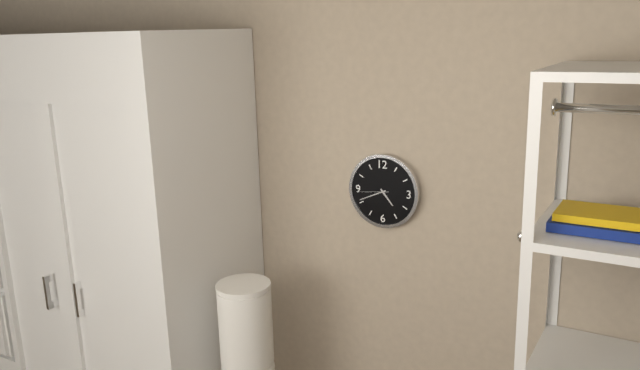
**4:41**
